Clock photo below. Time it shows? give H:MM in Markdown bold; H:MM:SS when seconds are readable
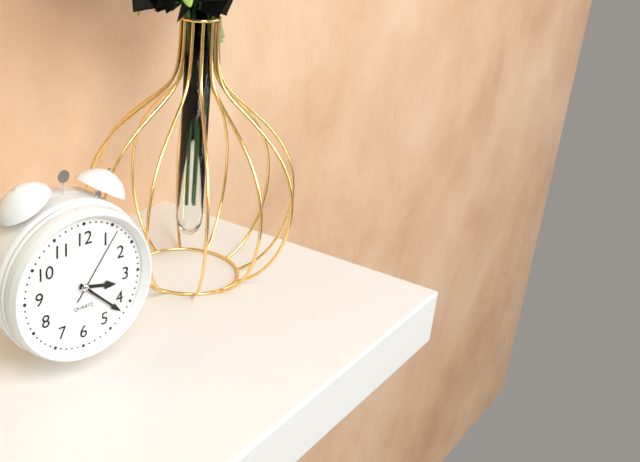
**3:22:06**
